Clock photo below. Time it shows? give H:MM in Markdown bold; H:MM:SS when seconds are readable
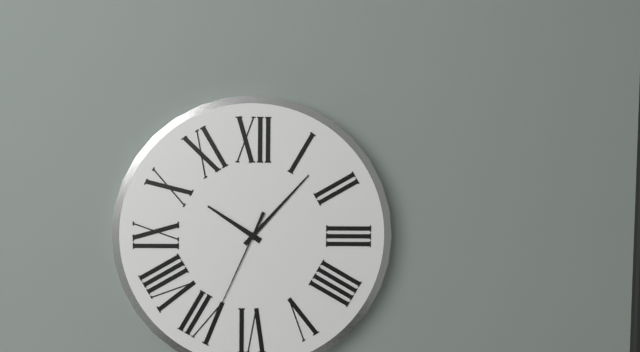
**10:07:34**
